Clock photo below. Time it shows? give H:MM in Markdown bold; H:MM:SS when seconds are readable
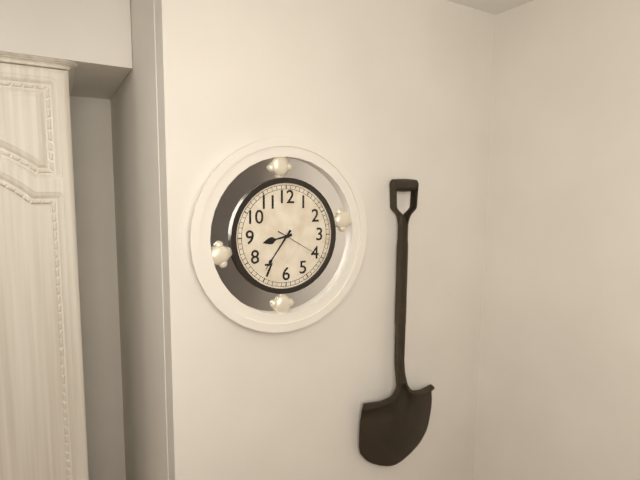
**8:36:20**
